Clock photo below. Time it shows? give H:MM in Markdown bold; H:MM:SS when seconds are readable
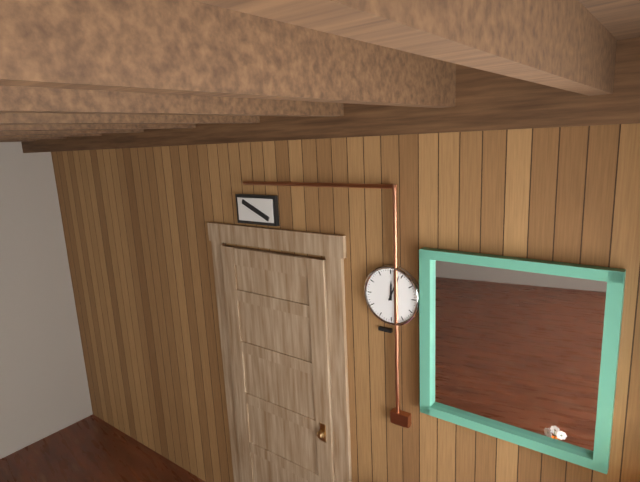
**12:04**
